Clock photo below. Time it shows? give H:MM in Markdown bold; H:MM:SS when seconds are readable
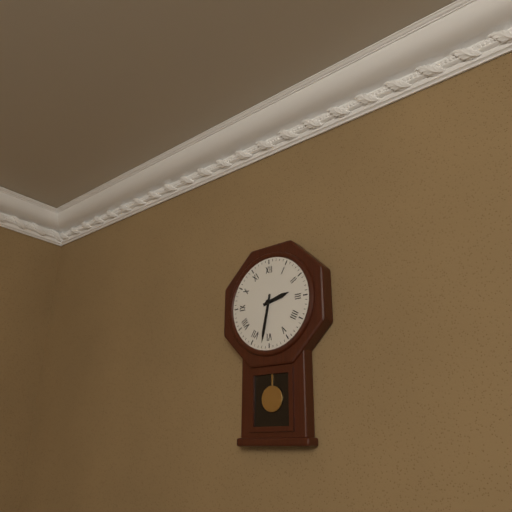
**2:32**
